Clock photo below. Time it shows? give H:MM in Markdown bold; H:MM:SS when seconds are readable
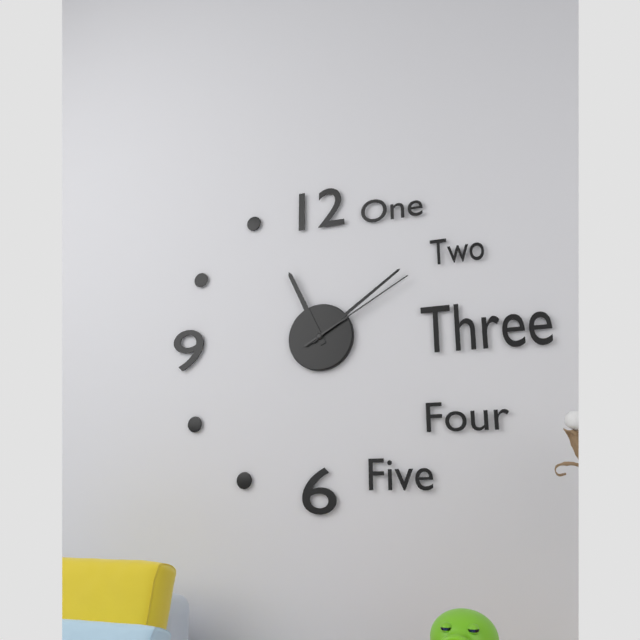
**11:09:10**
